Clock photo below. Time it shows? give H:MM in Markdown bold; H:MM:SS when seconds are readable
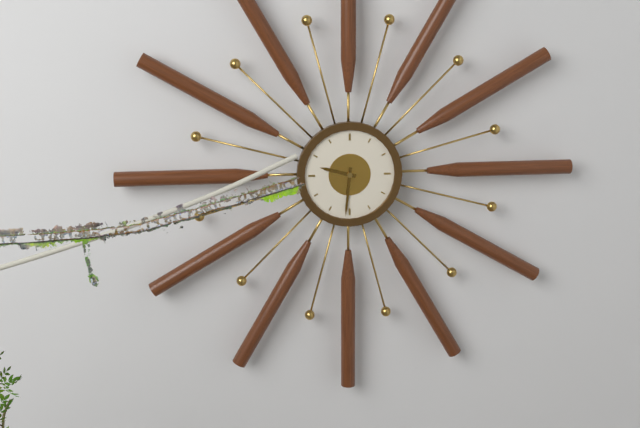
**9:31**
